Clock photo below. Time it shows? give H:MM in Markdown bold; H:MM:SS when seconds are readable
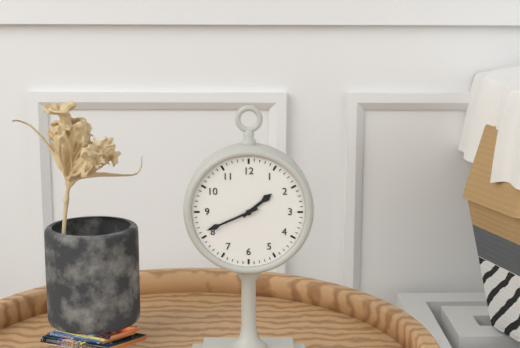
**1:41**
